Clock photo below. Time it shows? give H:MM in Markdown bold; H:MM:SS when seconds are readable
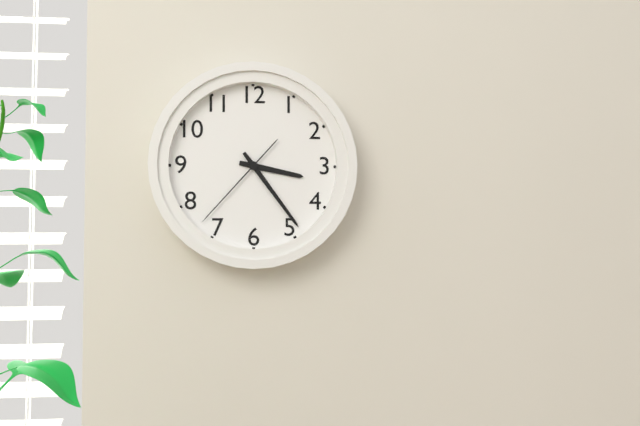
**3:24:37**
